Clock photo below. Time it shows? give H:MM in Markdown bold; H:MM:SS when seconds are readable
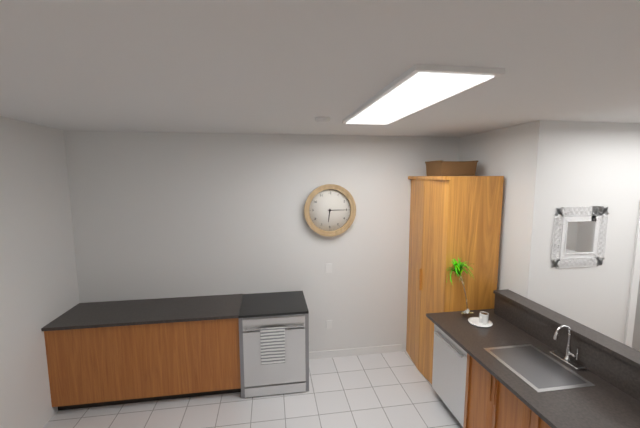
**6:15**
